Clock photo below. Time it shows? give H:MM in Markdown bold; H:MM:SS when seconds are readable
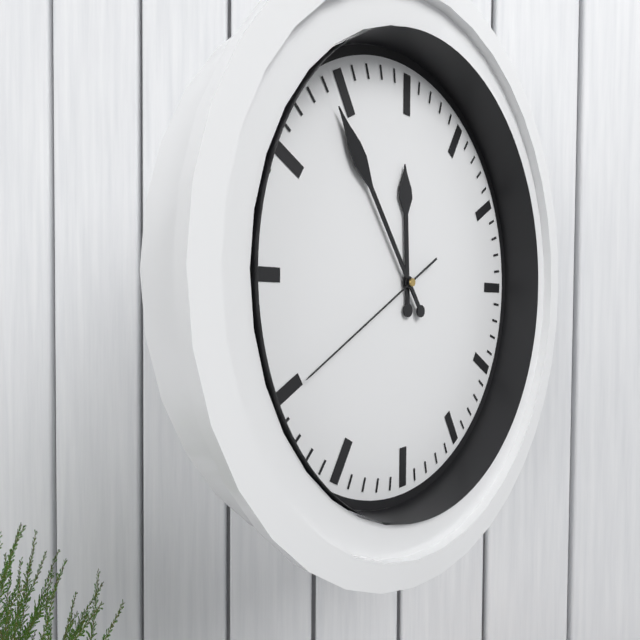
**11:54:40**
